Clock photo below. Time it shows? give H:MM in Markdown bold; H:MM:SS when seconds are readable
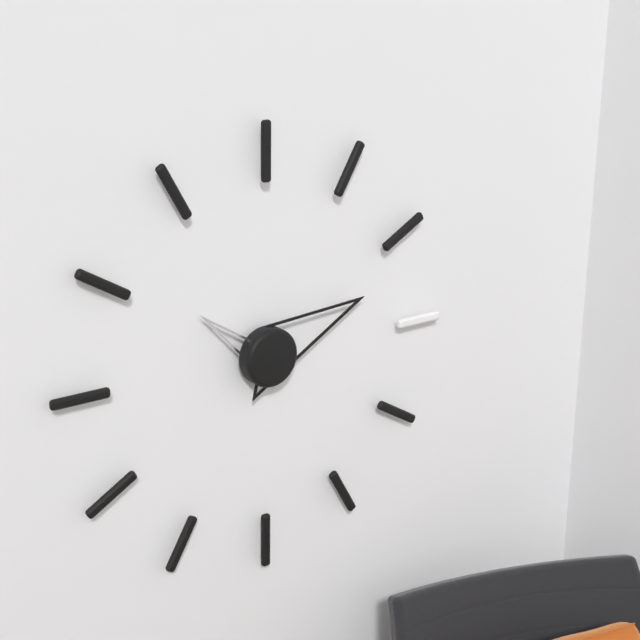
**10:12**
